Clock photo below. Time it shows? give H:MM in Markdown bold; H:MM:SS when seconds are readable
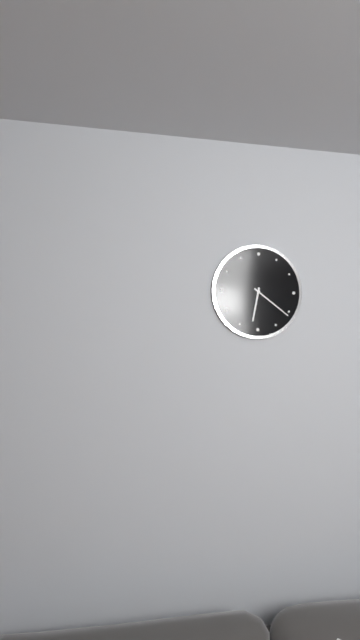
**6:21**
